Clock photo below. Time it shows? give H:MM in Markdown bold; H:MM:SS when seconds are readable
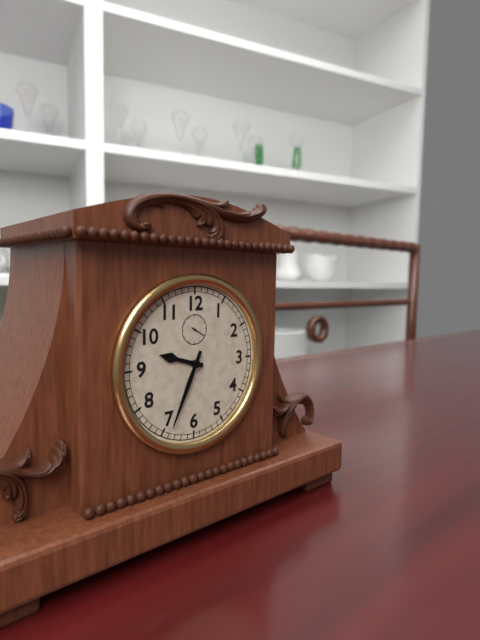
**9:34**
